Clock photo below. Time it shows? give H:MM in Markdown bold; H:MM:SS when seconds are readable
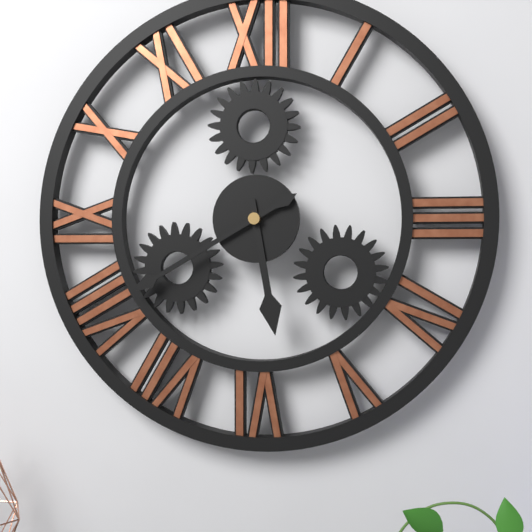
**5:40**
